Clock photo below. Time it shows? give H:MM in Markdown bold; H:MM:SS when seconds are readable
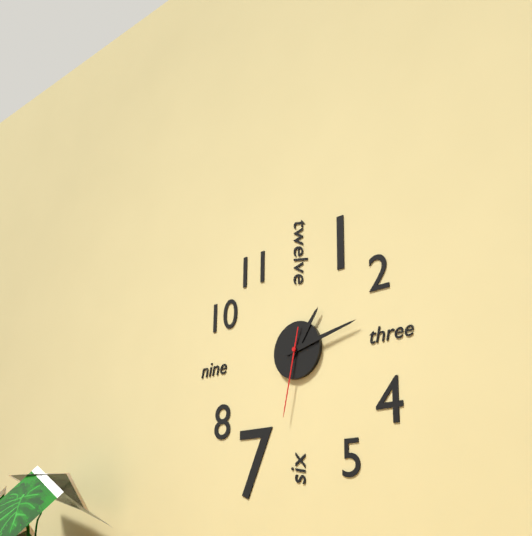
**1:13:32**
